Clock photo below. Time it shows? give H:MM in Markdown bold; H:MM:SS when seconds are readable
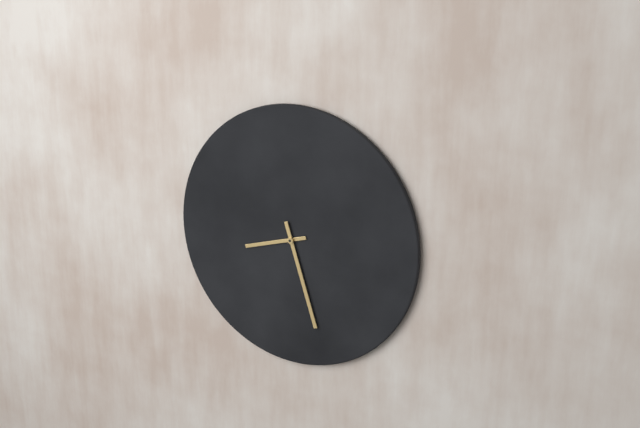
**8:27**
